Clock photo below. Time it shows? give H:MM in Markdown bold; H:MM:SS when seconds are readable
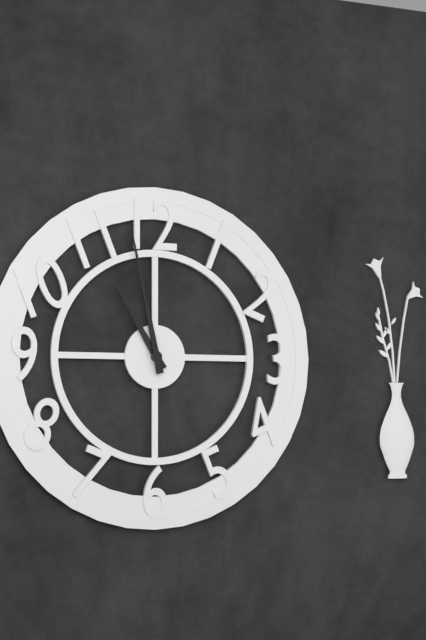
**10:58**
